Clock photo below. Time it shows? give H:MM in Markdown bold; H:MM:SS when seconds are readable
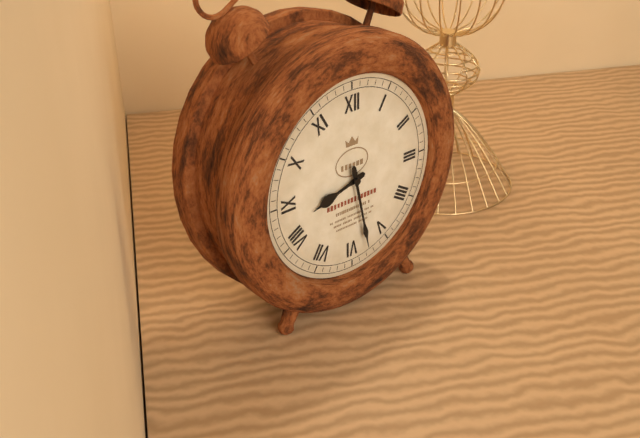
**8:28**
